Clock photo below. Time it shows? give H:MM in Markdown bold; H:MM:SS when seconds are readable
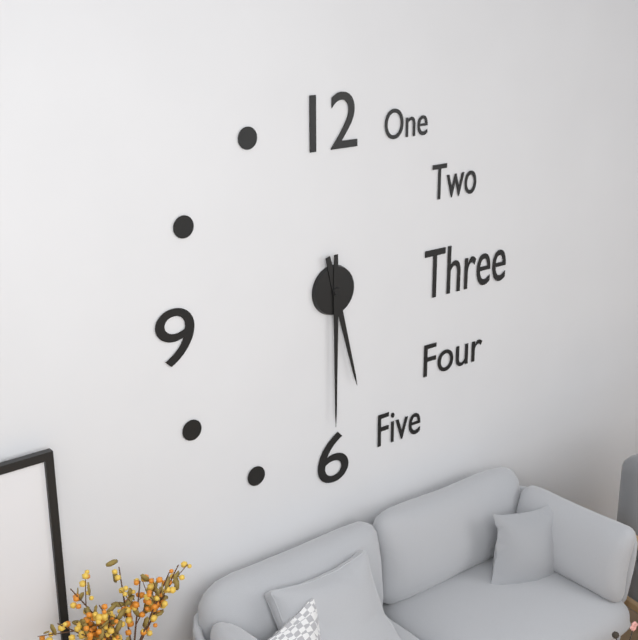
**5:30**
